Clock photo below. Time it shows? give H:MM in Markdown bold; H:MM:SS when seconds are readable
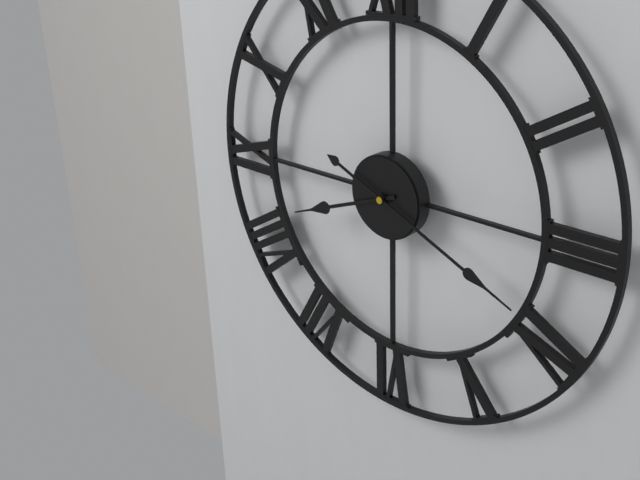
**8:19**
